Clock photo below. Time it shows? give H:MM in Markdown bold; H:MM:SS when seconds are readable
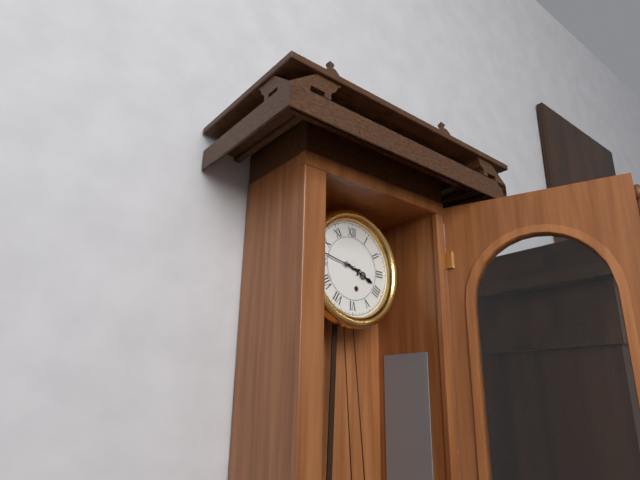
**3:47**
